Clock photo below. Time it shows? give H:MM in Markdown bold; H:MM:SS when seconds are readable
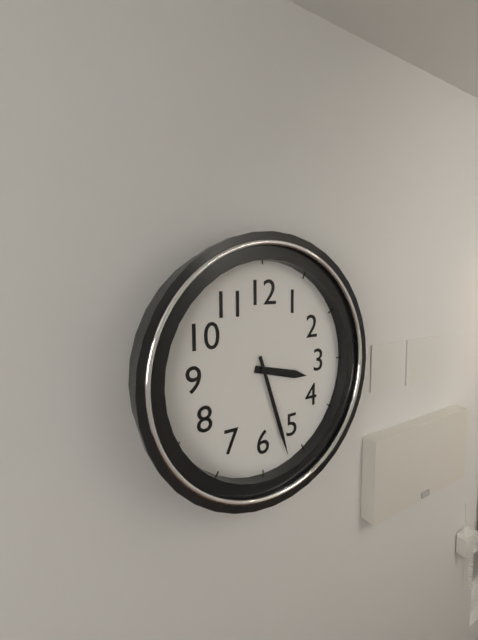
**3:27**
